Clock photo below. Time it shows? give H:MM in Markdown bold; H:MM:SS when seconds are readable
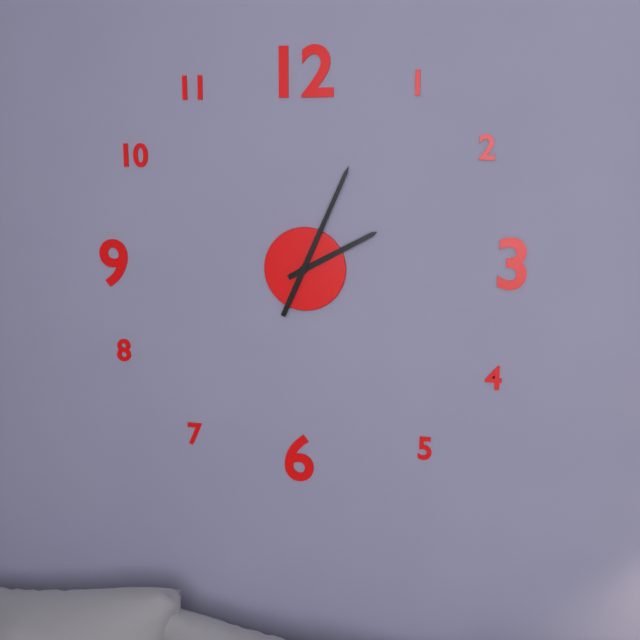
**2:04**
